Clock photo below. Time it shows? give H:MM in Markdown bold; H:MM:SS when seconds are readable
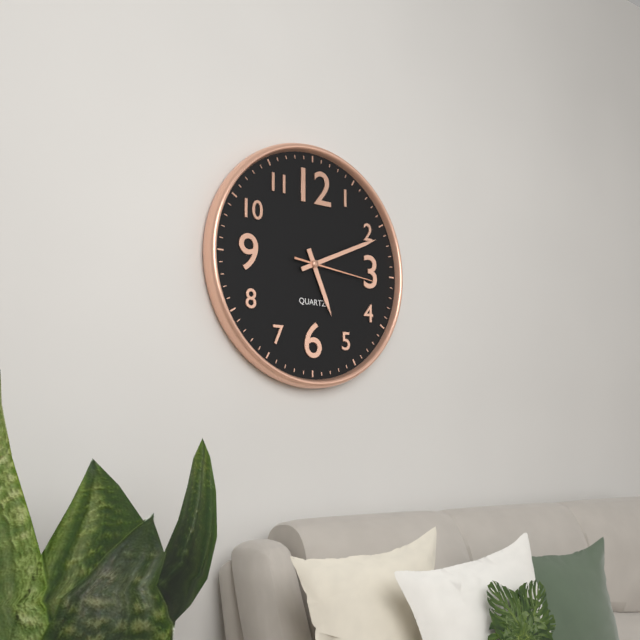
**5:11:16**
